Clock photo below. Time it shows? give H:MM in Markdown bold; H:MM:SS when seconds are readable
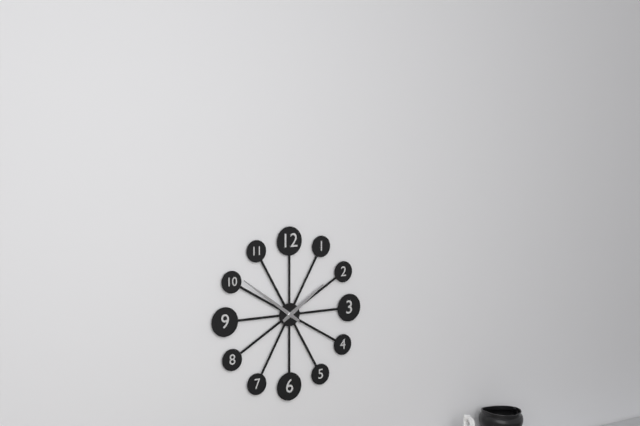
**1:51**
